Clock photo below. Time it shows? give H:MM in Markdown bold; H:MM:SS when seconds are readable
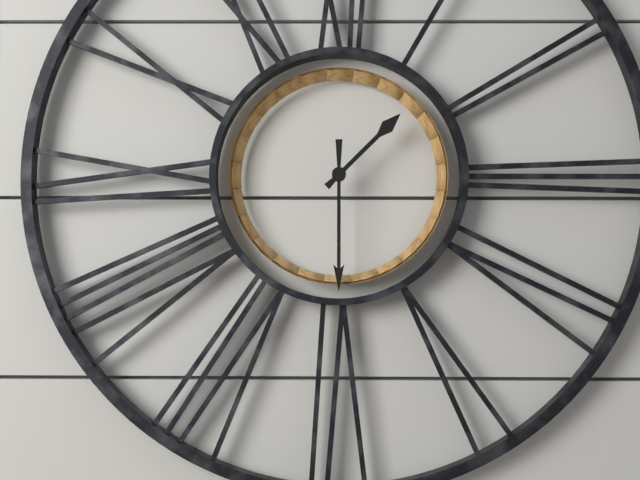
**1:30**
